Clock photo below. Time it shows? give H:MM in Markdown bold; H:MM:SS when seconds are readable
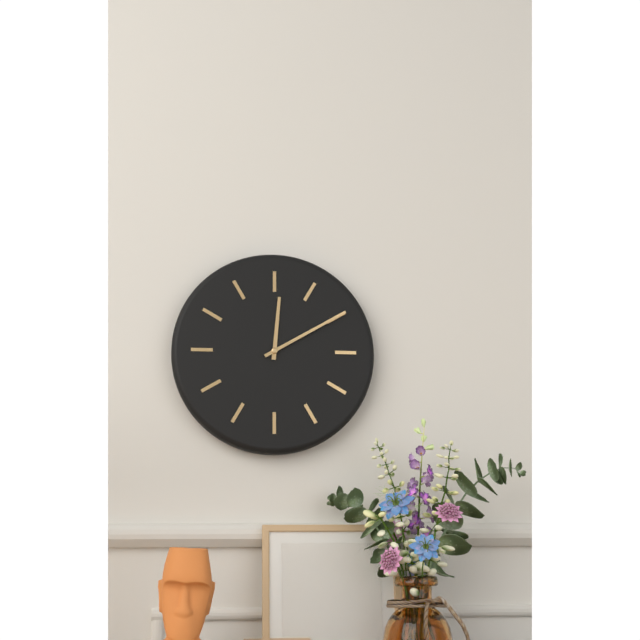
**12:10**
